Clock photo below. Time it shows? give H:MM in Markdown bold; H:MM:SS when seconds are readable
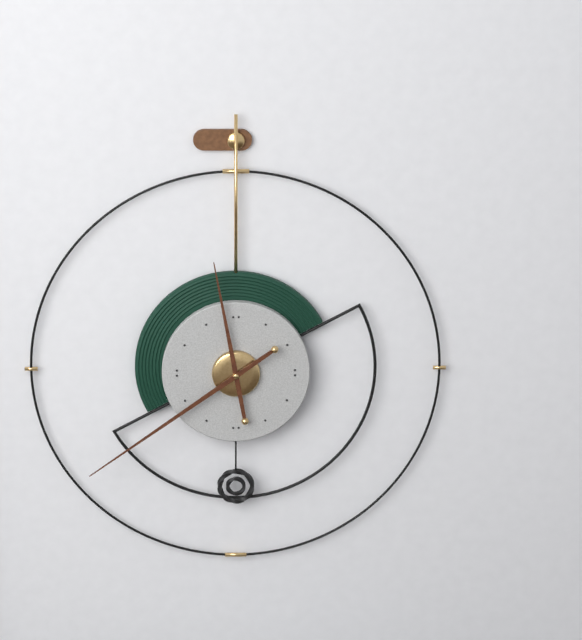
**11:39**
